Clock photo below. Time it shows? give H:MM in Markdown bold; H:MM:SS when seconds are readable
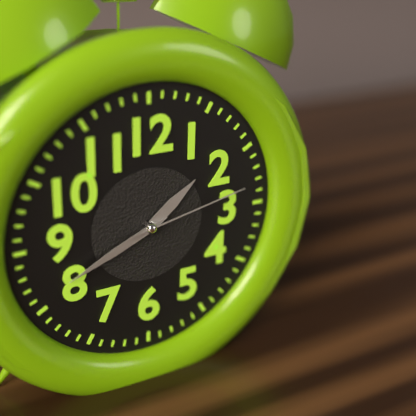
**1:41:13**
